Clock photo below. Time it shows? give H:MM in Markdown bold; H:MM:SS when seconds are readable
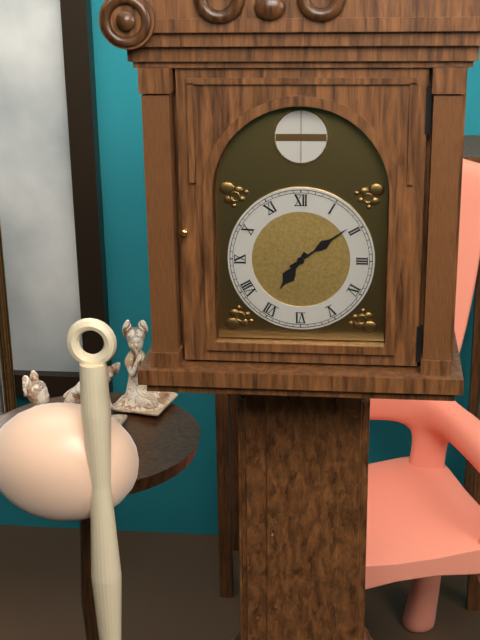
**7:09**
